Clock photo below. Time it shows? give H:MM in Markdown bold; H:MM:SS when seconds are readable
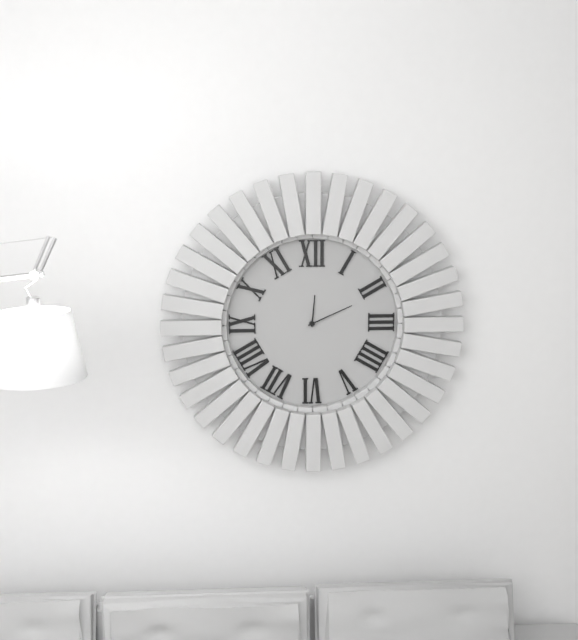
**12:11**
